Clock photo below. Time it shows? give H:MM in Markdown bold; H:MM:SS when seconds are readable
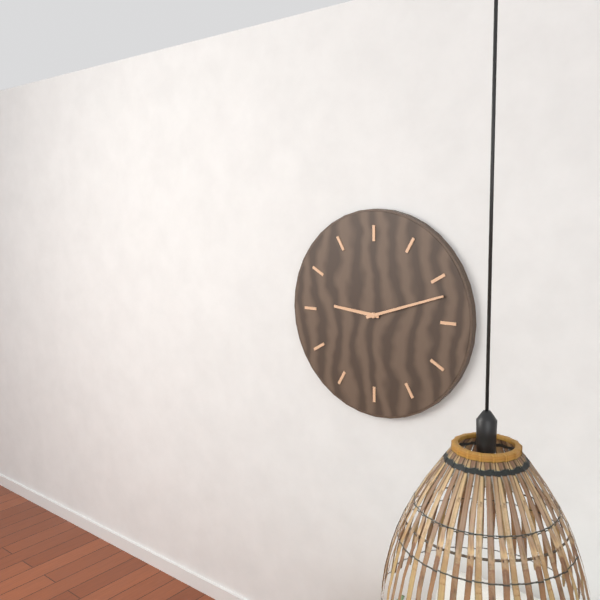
**9:12**
